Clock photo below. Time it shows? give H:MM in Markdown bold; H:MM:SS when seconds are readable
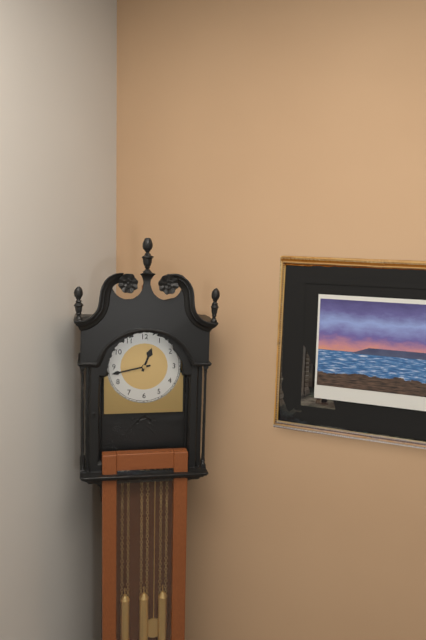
**12:43**
